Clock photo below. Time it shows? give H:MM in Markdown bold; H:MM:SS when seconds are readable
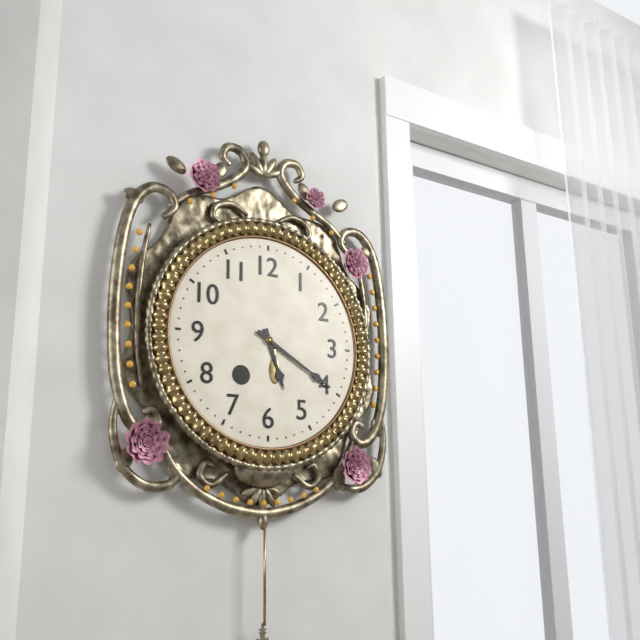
**5:20**
